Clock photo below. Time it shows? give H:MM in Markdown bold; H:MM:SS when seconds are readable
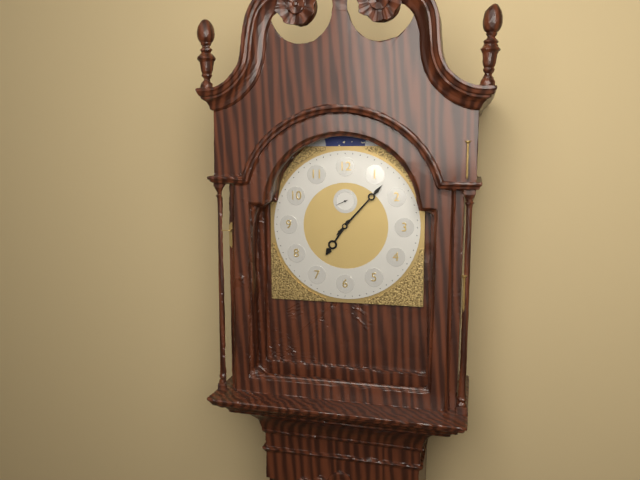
**7:07**
